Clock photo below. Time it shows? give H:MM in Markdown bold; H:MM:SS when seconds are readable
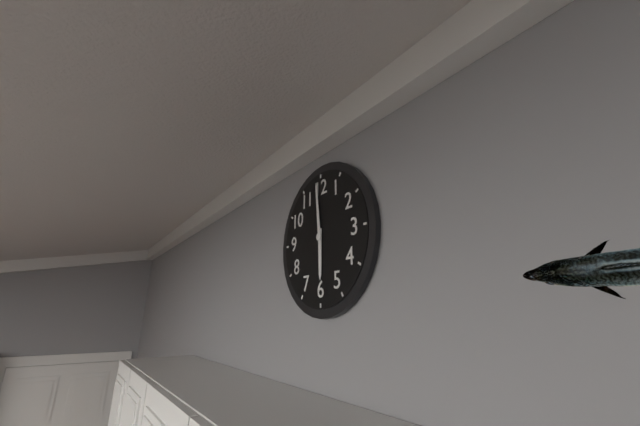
**5:59**
